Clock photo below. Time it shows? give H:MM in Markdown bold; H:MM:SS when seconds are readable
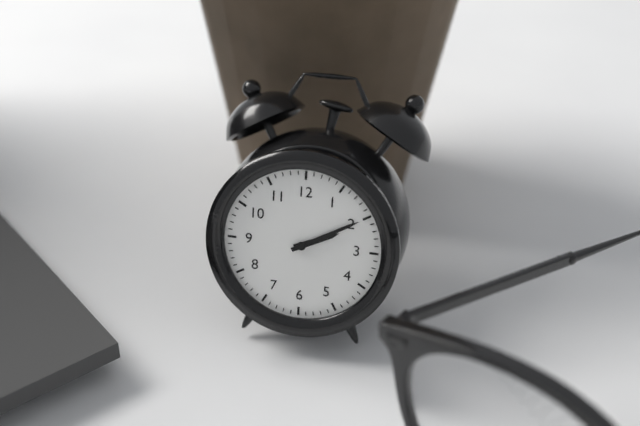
**2:10**
